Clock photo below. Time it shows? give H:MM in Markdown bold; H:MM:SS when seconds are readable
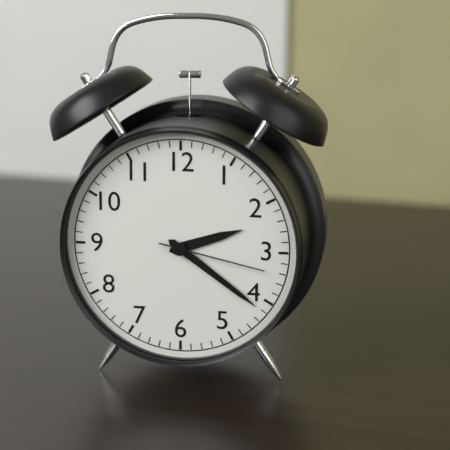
**2:21:17**
